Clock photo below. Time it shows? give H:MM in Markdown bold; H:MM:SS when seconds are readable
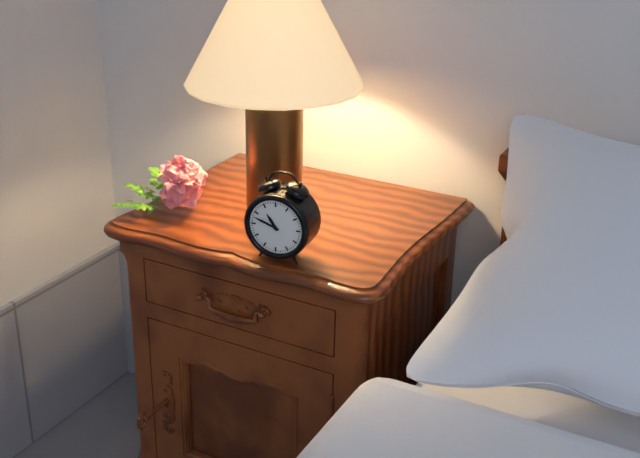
**10:48**
